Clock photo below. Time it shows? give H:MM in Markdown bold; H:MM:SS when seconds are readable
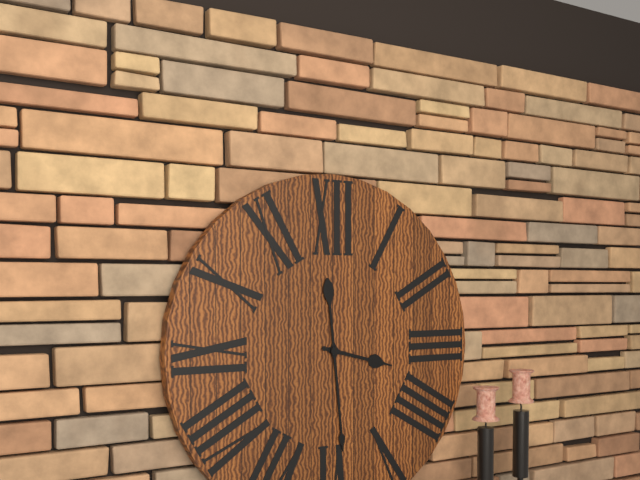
**3:29**
